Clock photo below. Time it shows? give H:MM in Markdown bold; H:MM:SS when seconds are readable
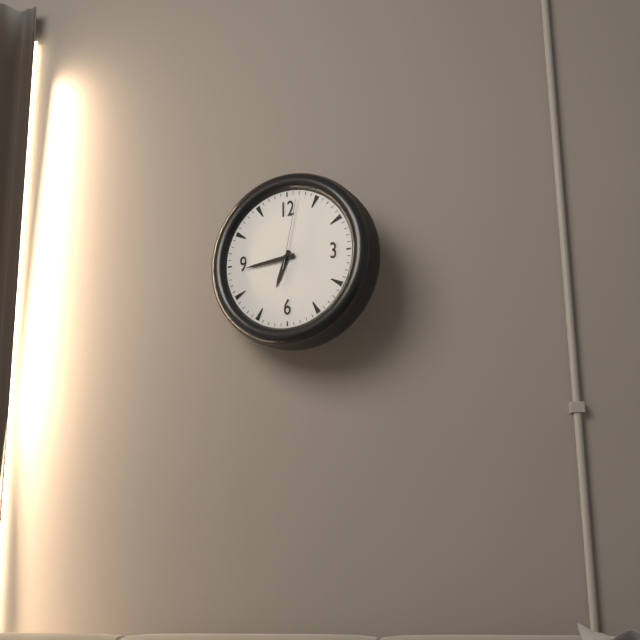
**6:44:02**
